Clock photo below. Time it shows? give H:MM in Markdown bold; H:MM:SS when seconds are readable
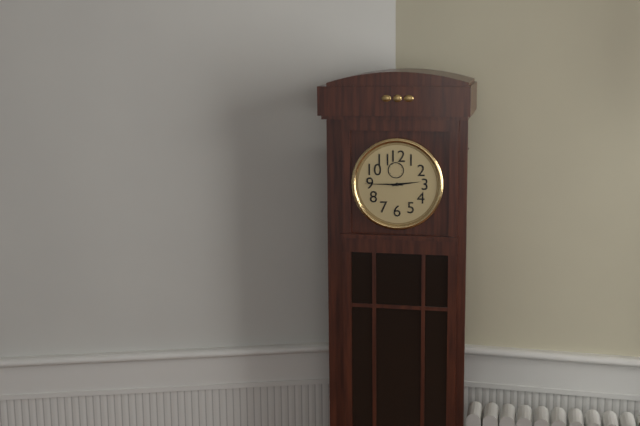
**2:45**
